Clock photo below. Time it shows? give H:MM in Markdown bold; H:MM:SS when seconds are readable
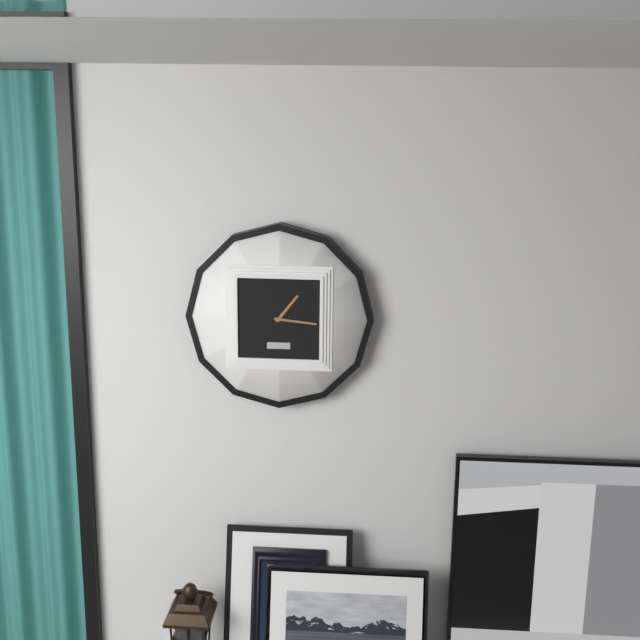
**1:16**
